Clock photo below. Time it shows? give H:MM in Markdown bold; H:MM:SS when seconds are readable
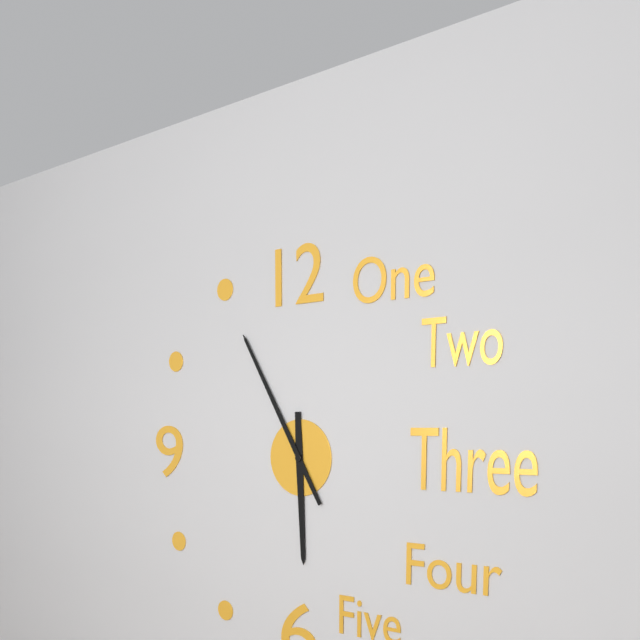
**5:55**
